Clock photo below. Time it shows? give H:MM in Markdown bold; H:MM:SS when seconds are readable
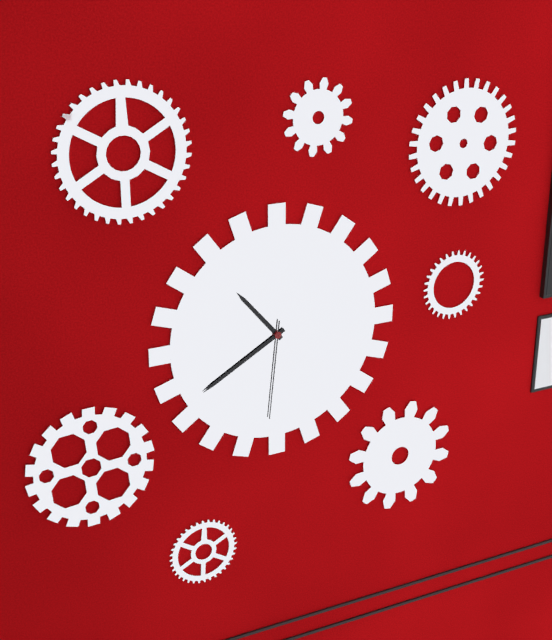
**10:40:31**
